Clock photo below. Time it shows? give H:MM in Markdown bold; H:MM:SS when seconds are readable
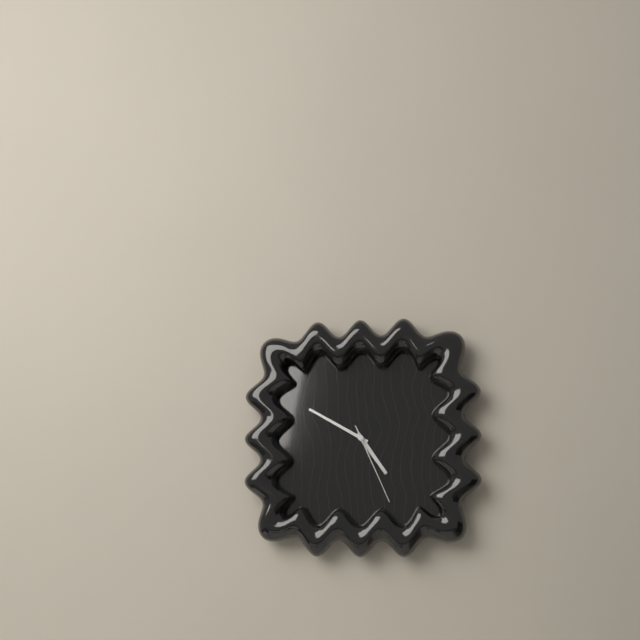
**4:50:26**
